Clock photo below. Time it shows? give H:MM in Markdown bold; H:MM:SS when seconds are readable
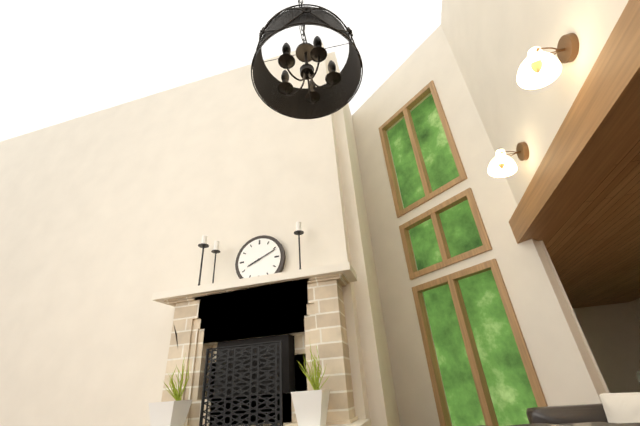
**8:11**
